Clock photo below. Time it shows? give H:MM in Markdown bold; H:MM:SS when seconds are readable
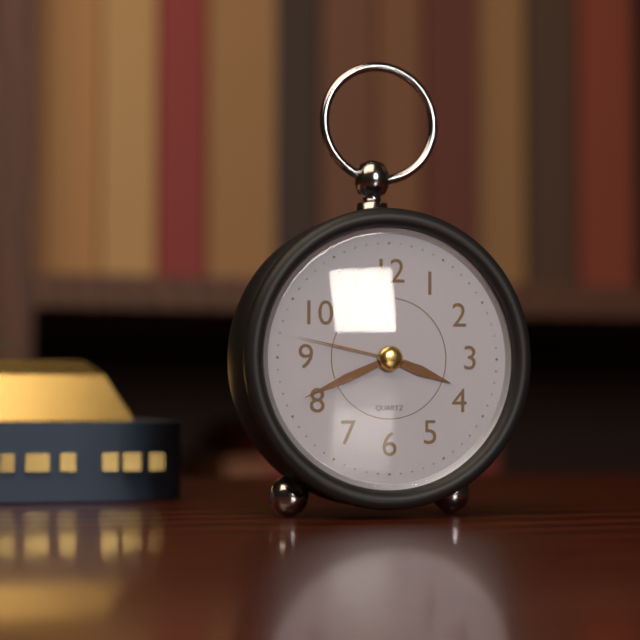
**3:41:47**
